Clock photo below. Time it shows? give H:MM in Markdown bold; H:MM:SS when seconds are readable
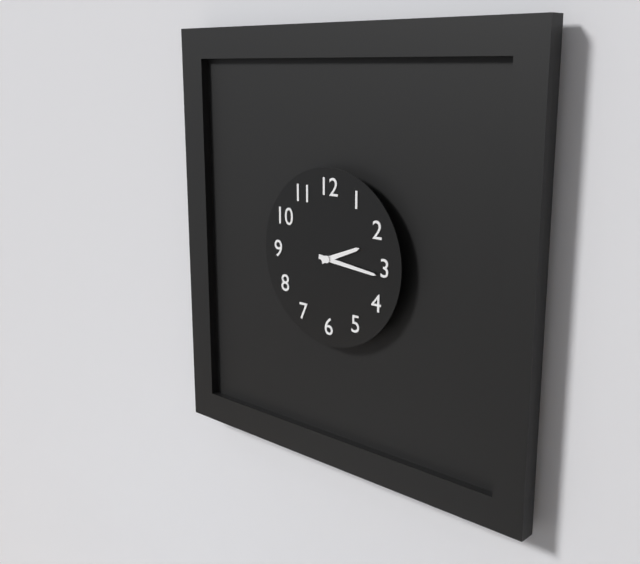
**2:16**
